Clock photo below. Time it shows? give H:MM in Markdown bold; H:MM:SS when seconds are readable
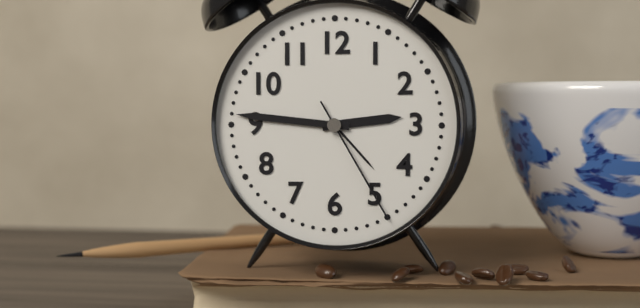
**2:46:25**
